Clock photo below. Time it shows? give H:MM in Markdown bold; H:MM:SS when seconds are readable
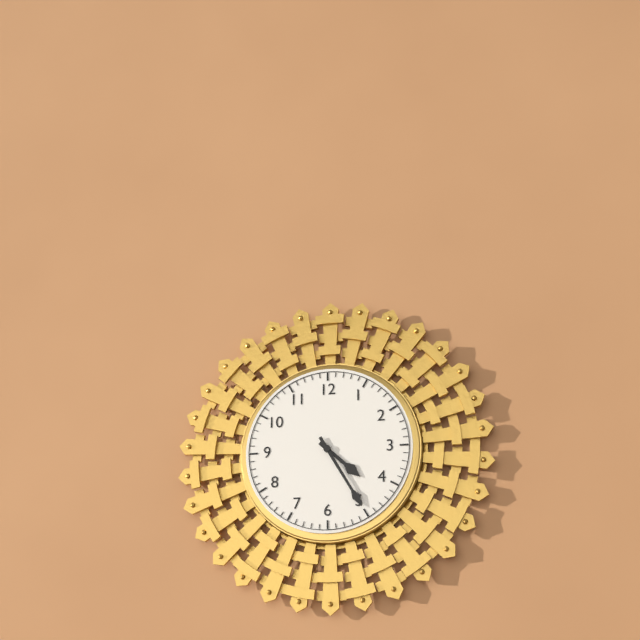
**4:25**
